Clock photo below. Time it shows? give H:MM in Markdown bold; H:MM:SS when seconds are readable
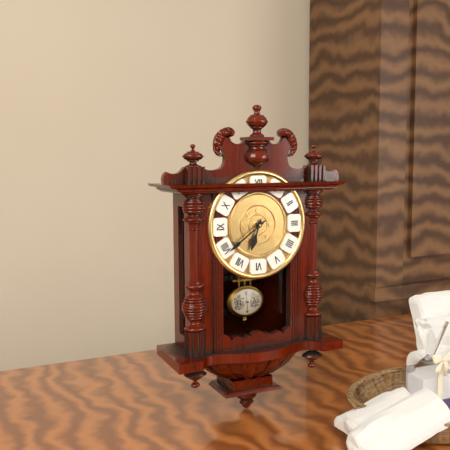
**6:39**
